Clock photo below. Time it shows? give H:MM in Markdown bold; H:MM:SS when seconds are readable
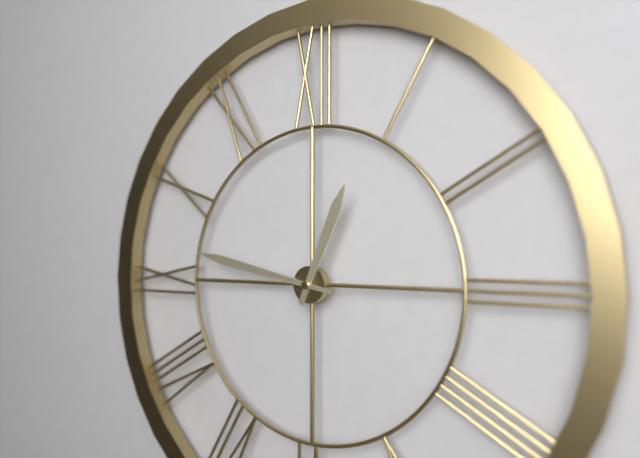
**12:47**
